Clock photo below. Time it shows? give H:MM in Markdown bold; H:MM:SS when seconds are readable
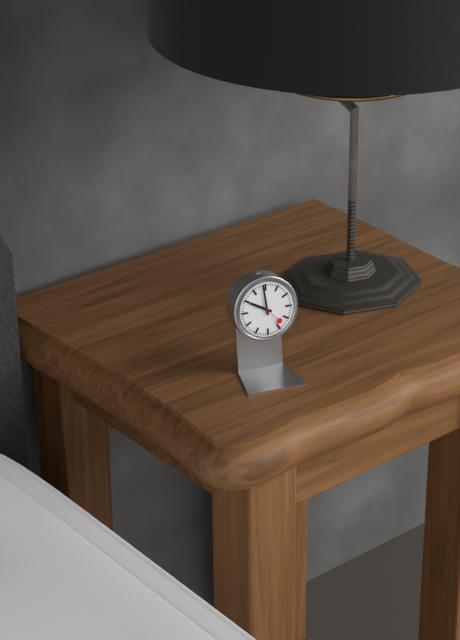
**9:59**
